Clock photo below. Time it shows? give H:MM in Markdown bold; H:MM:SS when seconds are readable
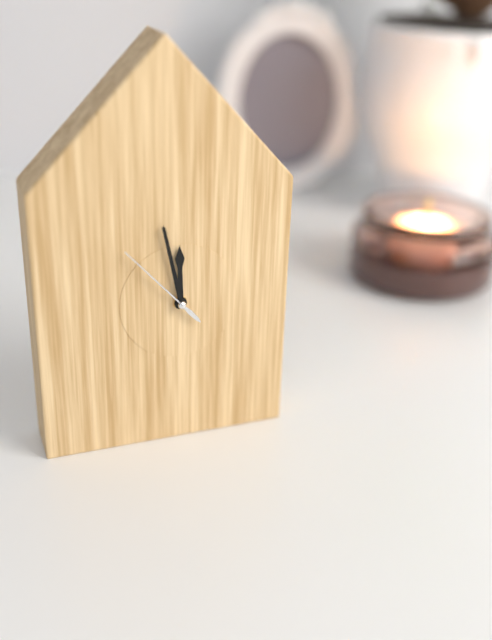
**11:58:53**
